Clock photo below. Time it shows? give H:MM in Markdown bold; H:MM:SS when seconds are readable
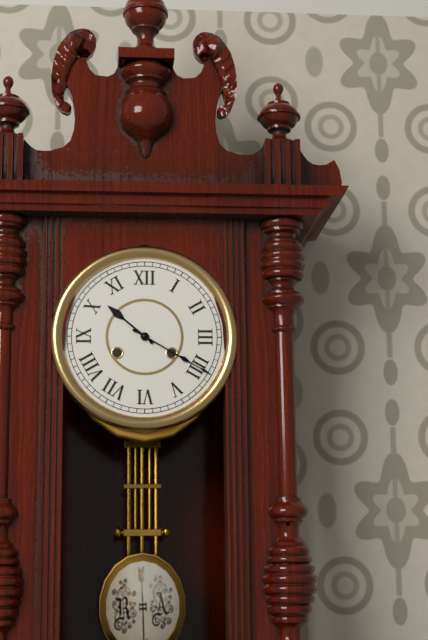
**10:20**
